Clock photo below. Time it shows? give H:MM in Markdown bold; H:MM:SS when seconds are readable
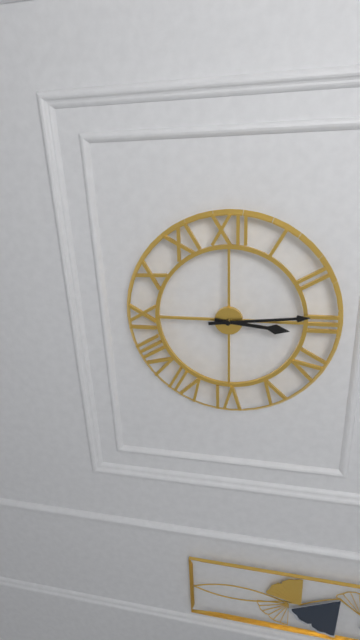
**3:14**
